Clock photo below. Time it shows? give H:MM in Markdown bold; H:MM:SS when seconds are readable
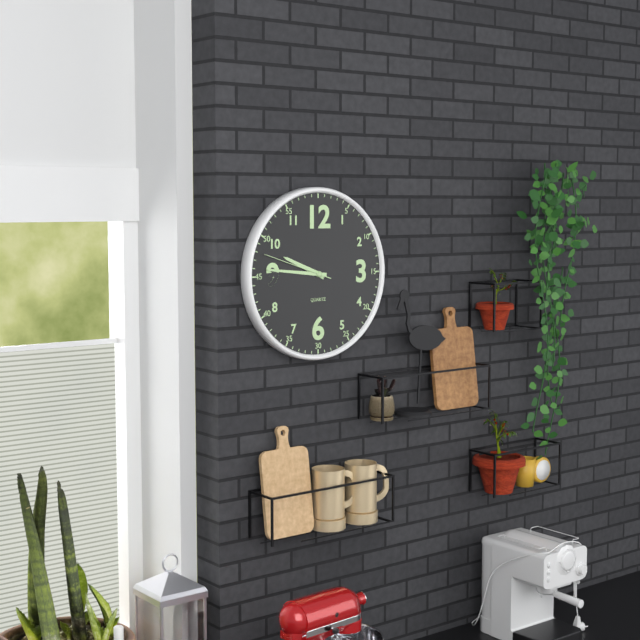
**9:46:48**
